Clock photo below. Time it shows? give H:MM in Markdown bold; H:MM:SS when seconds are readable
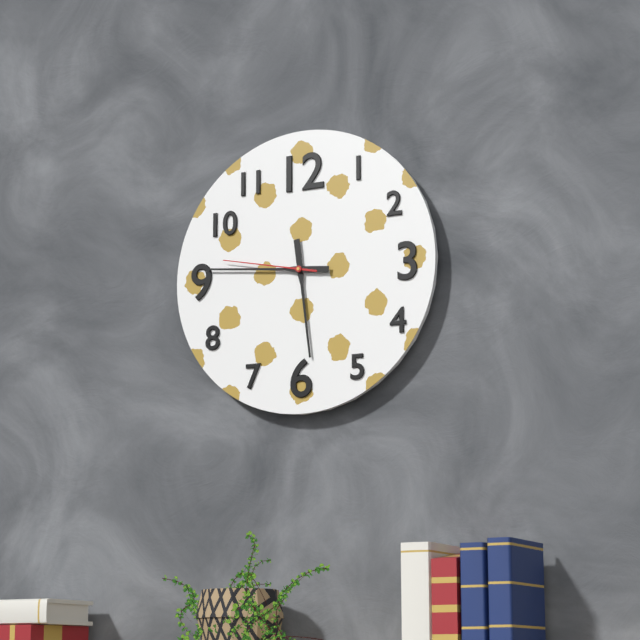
**5:46:47**
